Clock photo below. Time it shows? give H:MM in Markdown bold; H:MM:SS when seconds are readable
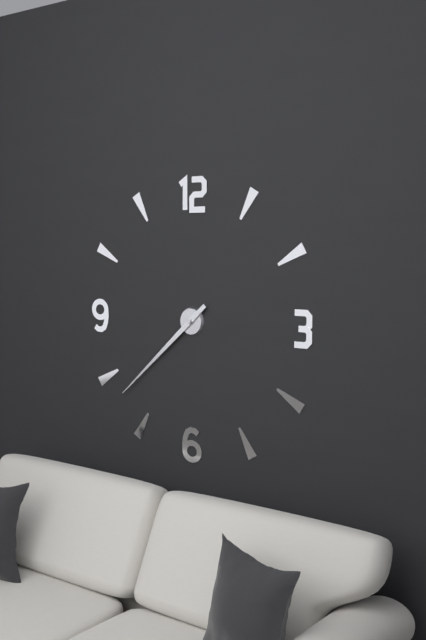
**7:38**
